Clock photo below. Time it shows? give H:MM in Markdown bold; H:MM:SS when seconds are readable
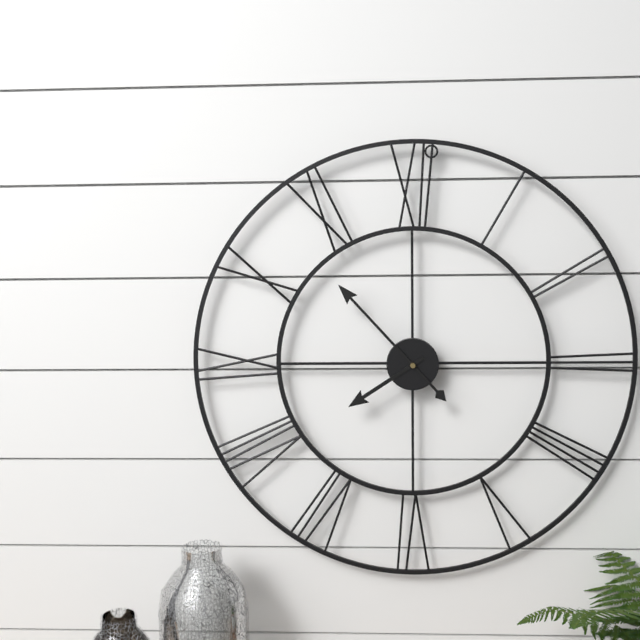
**7:53**
